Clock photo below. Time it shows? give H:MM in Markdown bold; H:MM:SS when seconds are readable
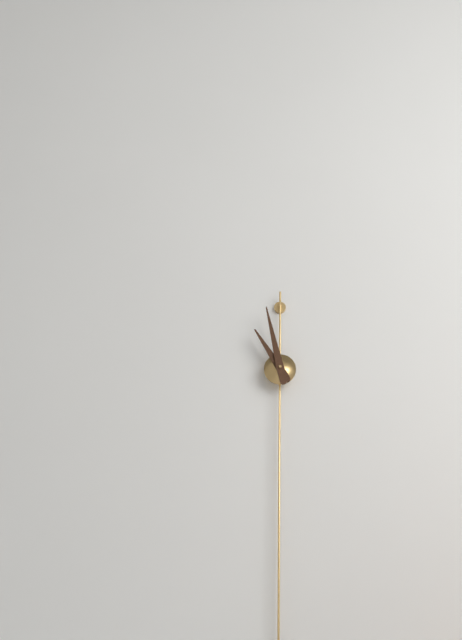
**10:58**
